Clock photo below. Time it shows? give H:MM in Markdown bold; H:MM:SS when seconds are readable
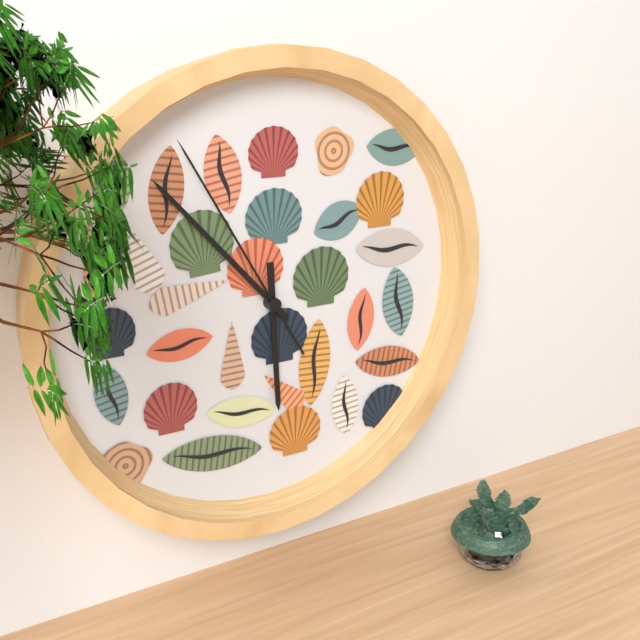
**5:53:55**
